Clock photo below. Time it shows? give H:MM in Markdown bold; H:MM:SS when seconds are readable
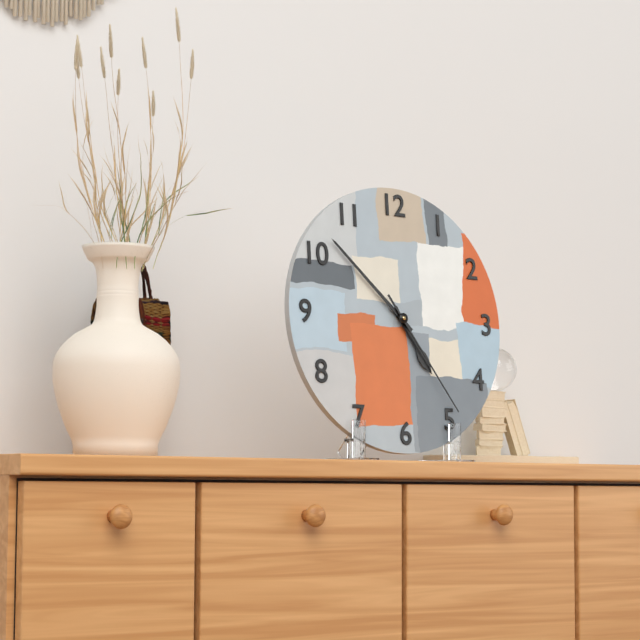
**4:52:24**
